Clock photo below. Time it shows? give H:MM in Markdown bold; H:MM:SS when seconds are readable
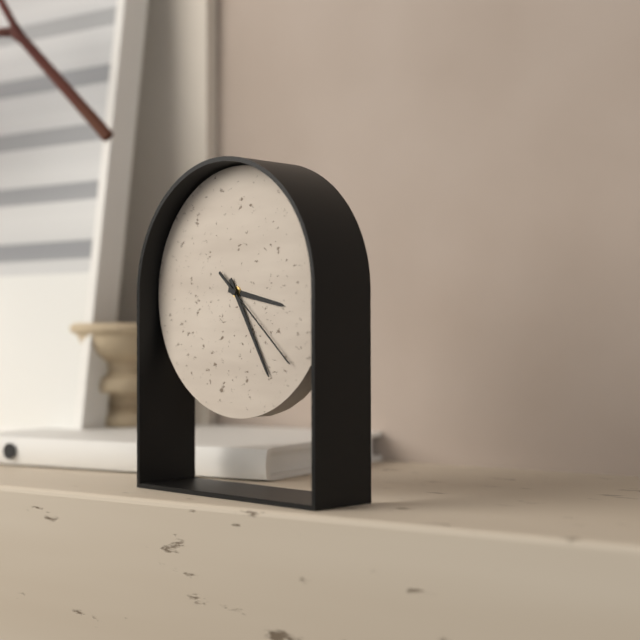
**3:25:22**
